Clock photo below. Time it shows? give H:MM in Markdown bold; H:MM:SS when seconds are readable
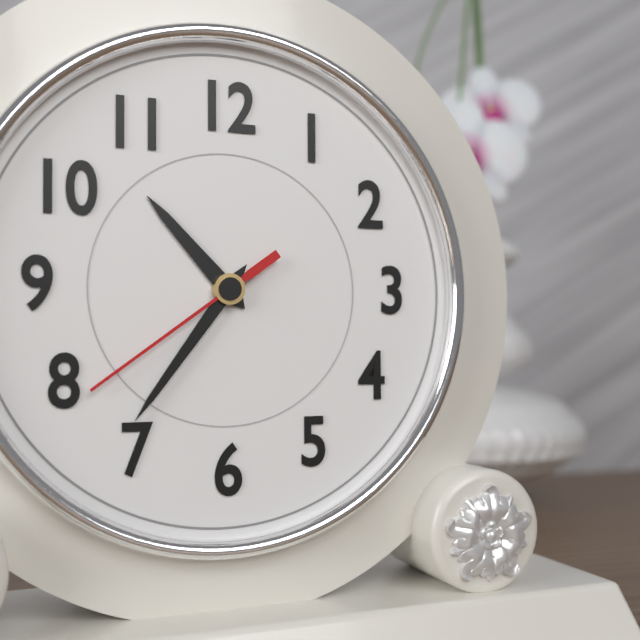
**10:36:39**
